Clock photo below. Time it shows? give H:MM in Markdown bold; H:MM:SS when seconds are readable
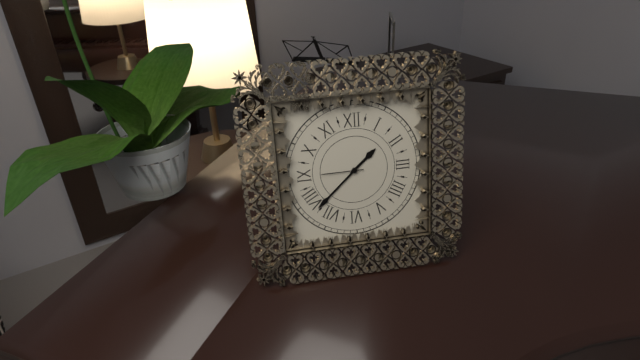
**1:38**
